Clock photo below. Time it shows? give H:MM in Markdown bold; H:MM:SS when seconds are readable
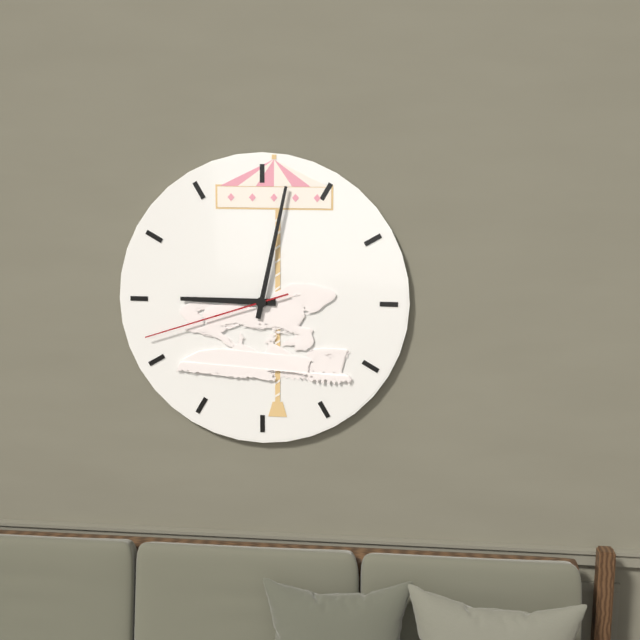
**9:02:42**
